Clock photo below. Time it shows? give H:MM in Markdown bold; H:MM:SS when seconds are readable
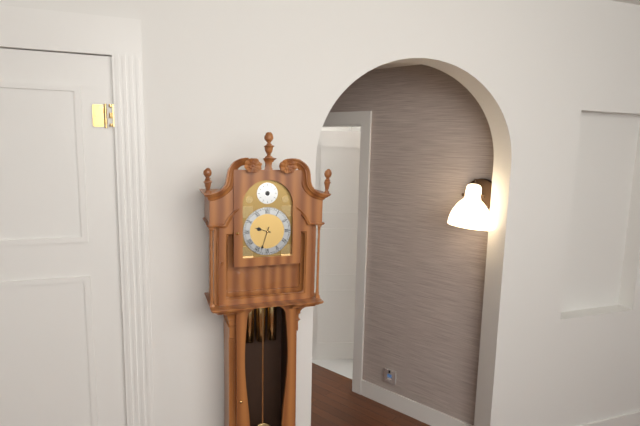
**9:33**
